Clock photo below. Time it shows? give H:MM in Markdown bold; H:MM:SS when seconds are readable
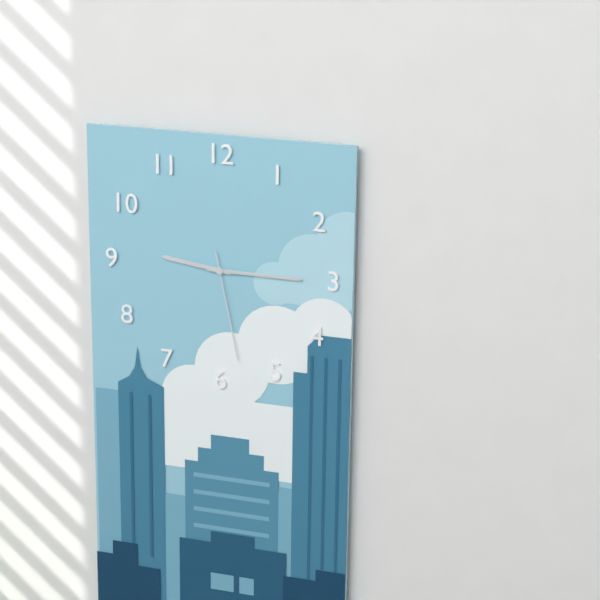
**9:15:28**
